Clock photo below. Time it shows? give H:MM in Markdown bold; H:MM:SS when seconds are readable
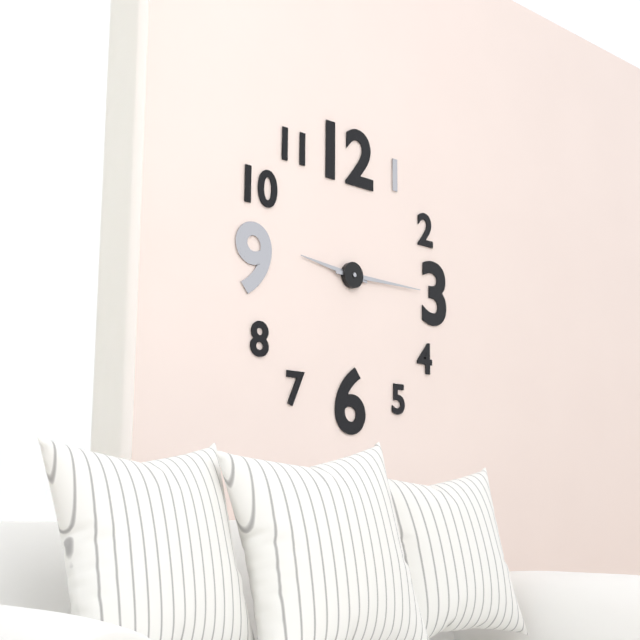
**9:15**
